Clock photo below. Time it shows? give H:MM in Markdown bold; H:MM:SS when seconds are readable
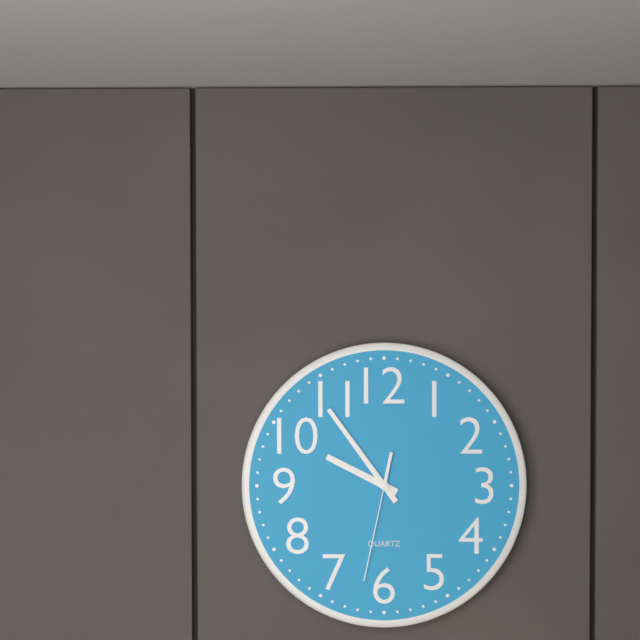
**9:54:32**
